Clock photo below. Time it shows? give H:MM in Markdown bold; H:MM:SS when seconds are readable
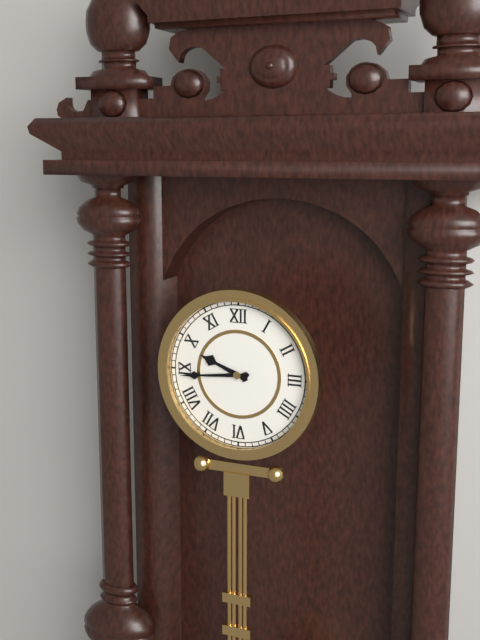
**9:44**
